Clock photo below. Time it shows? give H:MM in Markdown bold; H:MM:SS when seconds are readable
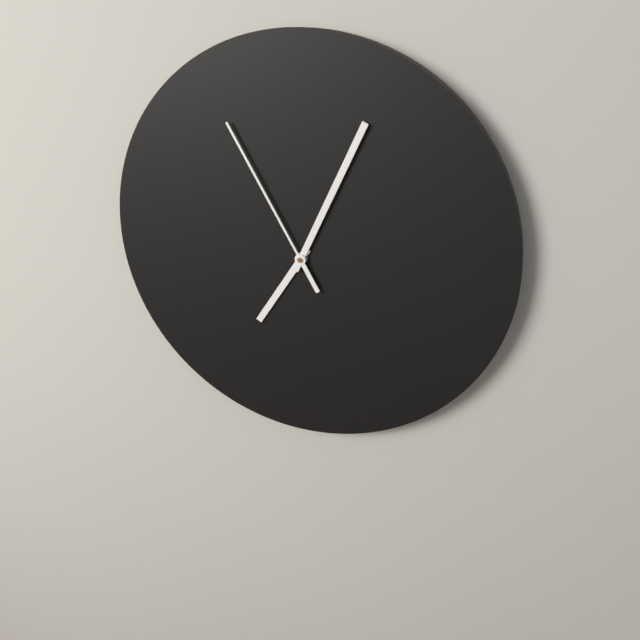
**7:04:55**
